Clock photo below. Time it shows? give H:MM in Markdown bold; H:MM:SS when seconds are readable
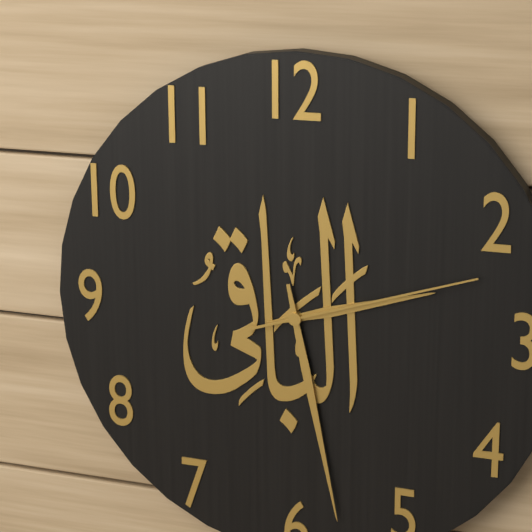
**2:28:12**
